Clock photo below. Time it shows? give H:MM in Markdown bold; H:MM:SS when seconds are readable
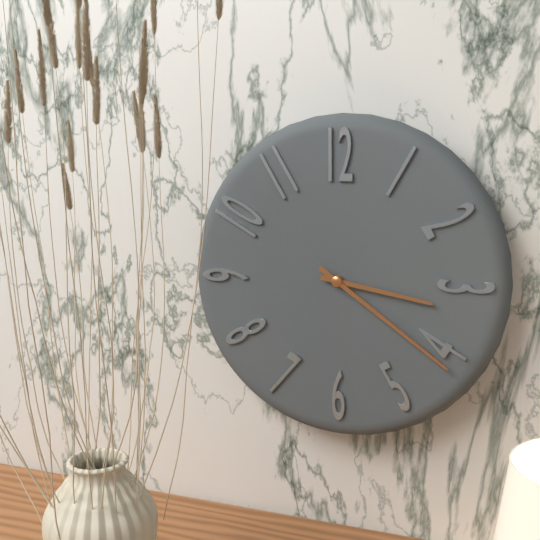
**3:21**
